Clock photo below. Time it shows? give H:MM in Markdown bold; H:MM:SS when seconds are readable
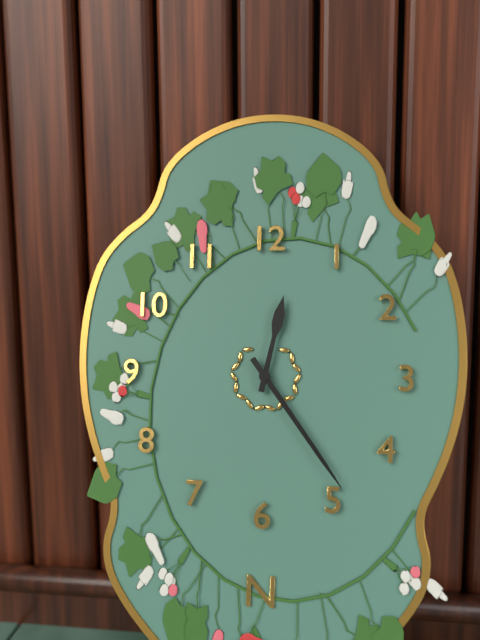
**12:24**
